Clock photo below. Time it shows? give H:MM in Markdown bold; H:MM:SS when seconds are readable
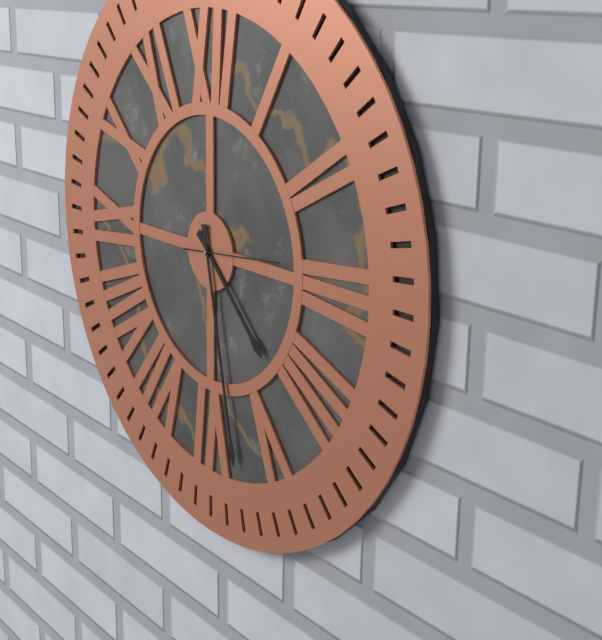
**4:28:14**
